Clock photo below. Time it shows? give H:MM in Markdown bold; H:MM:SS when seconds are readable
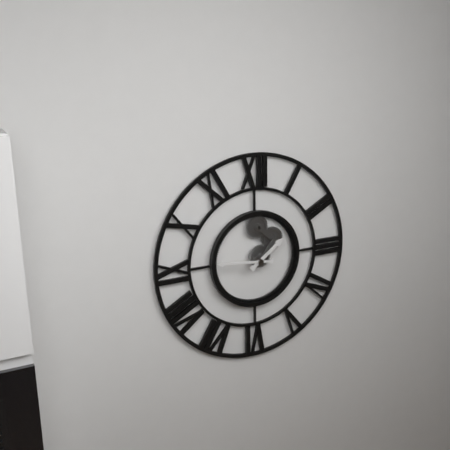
**1:46**
